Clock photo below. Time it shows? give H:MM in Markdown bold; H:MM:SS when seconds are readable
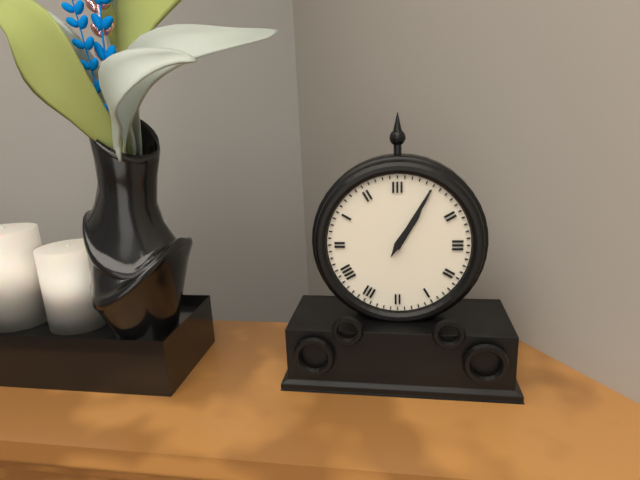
**1:05**
